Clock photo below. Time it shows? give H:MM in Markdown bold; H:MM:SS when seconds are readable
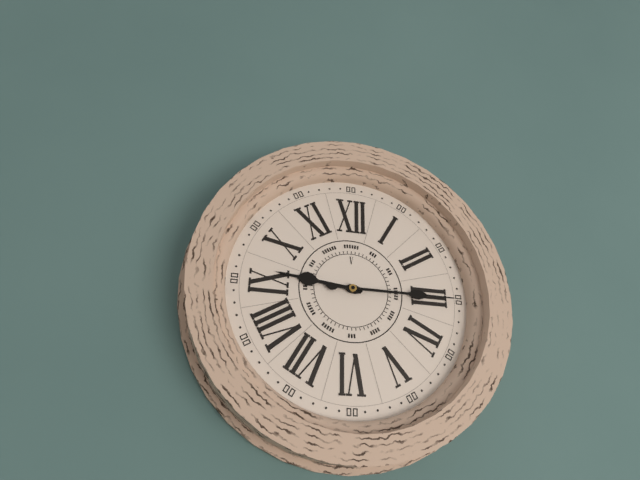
**9:15**
